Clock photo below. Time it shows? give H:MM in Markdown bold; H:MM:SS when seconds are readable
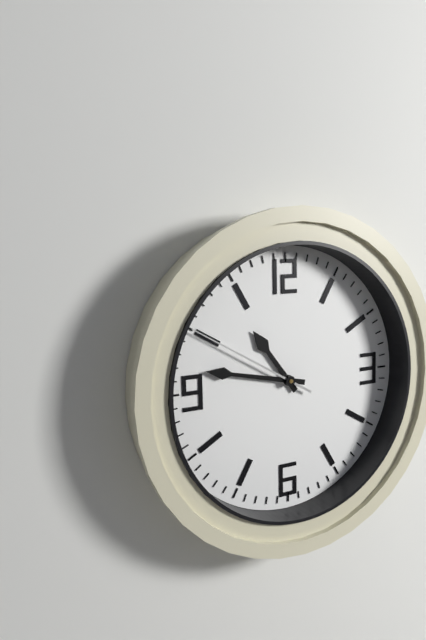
**10:47:50**
